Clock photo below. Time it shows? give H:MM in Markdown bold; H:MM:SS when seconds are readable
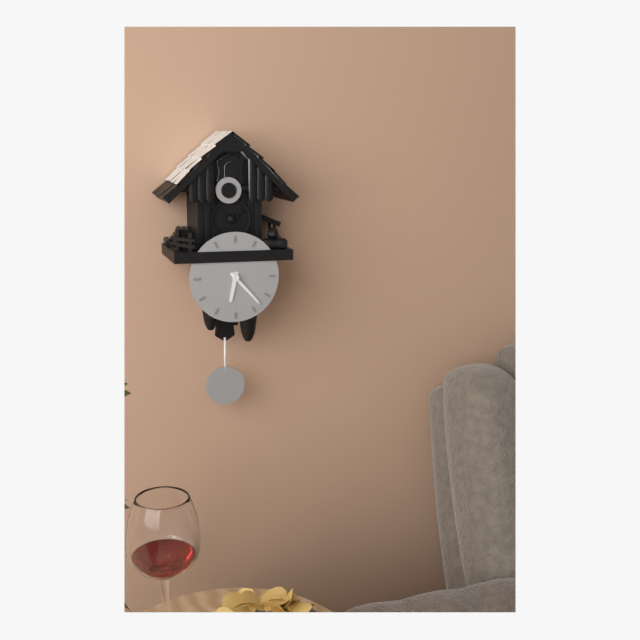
**6:23**
